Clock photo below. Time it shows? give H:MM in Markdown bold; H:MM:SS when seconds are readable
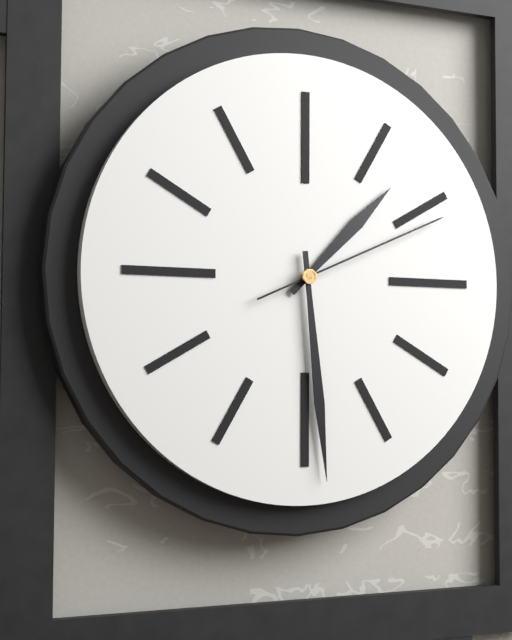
**1:29:11**
